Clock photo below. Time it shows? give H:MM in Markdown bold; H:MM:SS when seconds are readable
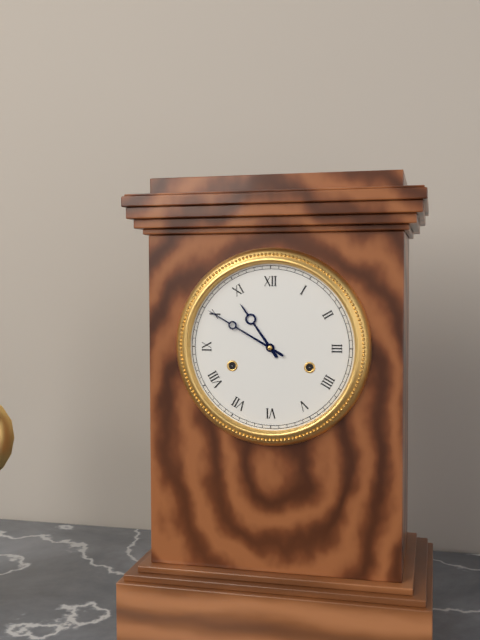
**10:50**
